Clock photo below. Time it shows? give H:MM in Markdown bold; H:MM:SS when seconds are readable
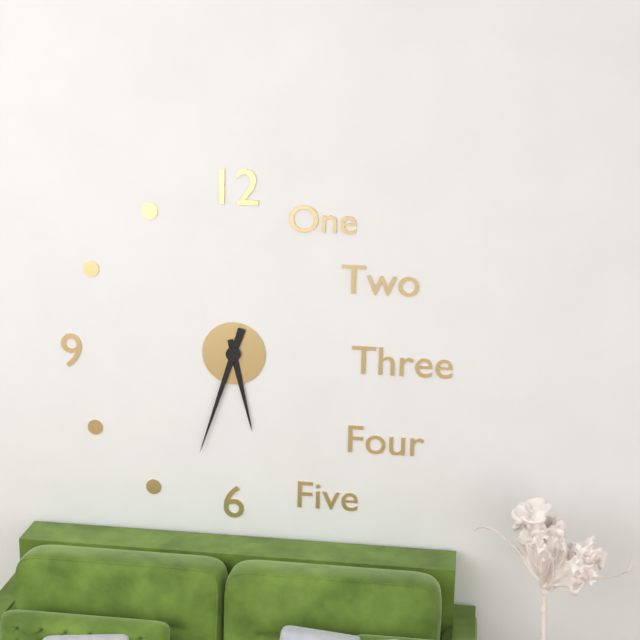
**5:33**
